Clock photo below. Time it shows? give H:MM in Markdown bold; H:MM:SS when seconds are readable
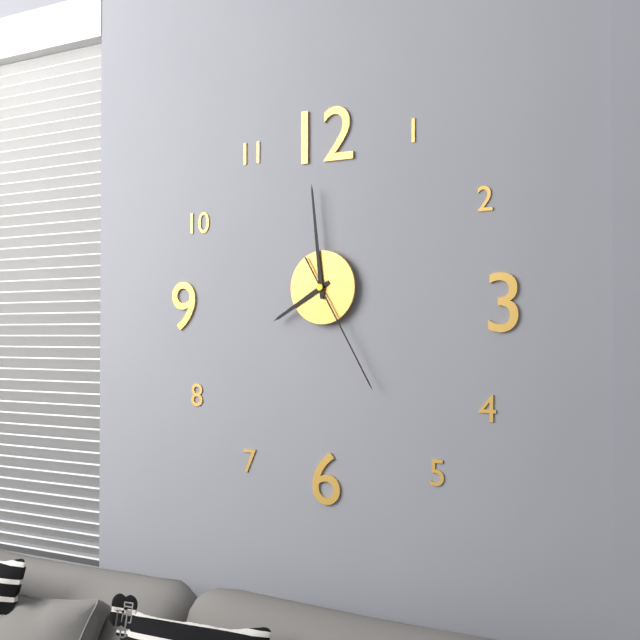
**7:59:25**
